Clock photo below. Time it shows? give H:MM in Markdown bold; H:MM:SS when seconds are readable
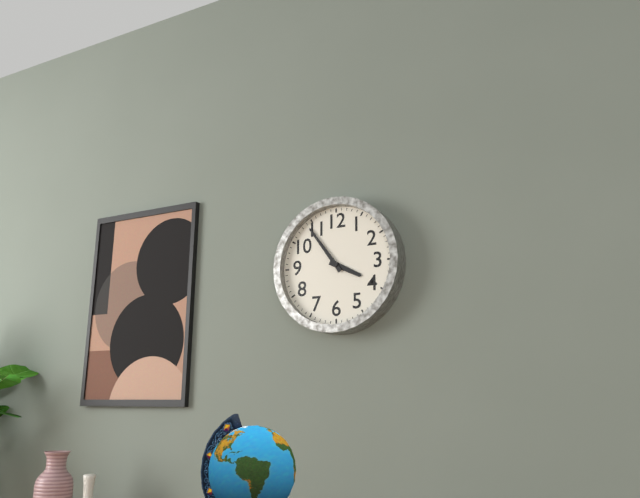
**3:54**
